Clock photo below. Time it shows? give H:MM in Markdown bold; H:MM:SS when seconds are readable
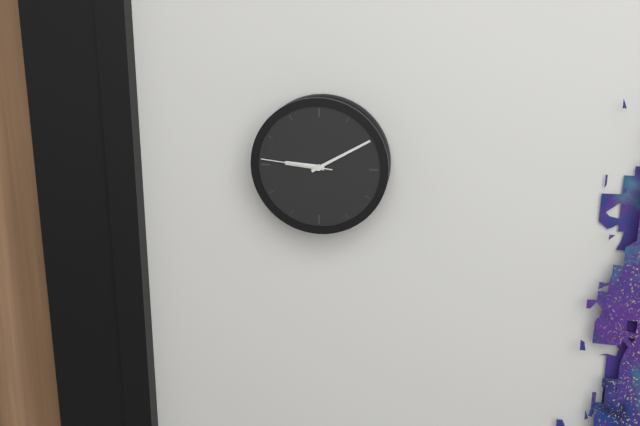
**9:10:46**
